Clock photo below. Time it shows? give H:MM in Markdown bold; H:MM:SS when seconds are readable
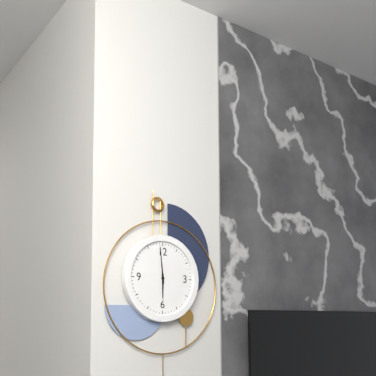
**5:59**
